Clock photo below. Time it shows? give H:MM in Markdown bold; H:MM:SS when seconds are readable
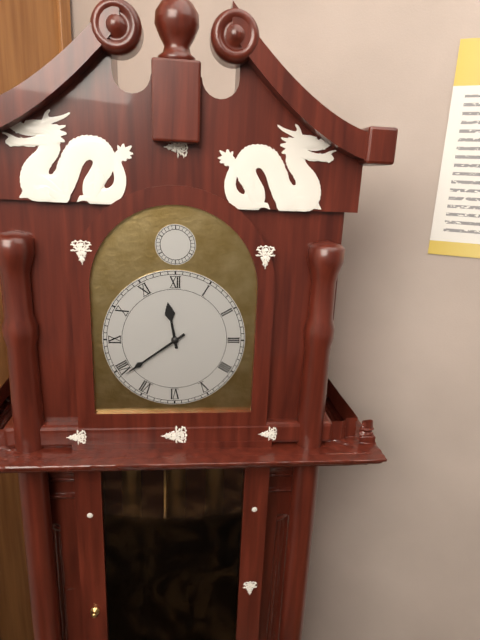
**11:39**
